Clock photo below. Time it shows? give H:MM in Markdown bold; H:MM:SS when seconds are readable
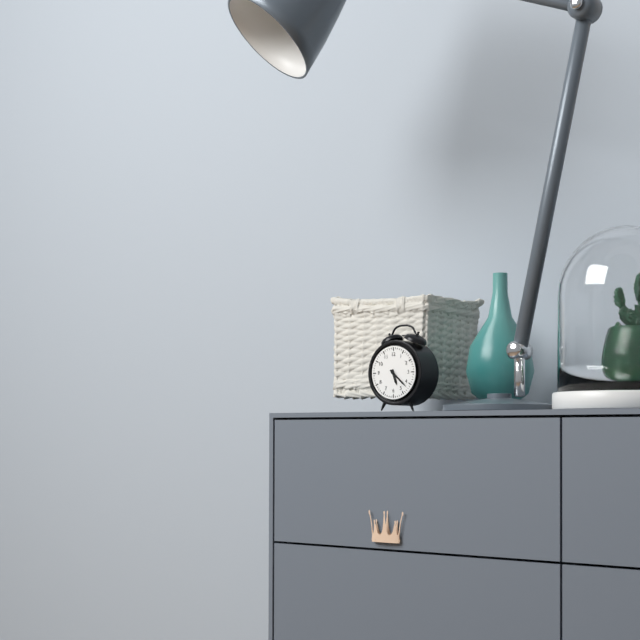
**5:22**
